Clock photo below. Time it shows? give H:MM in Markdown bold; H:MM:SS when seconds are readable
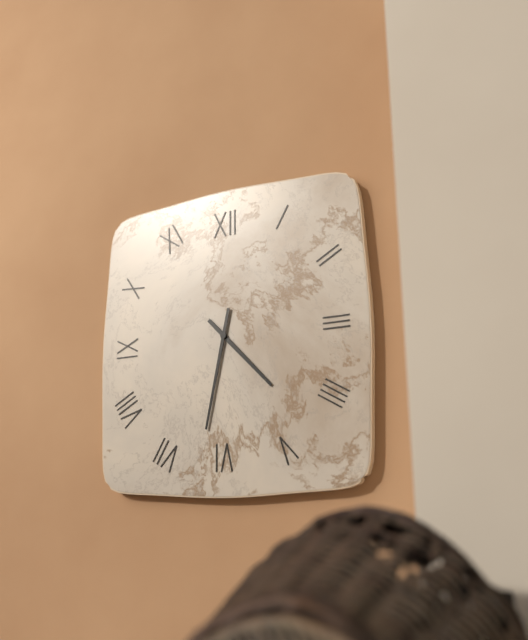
**4:32**
